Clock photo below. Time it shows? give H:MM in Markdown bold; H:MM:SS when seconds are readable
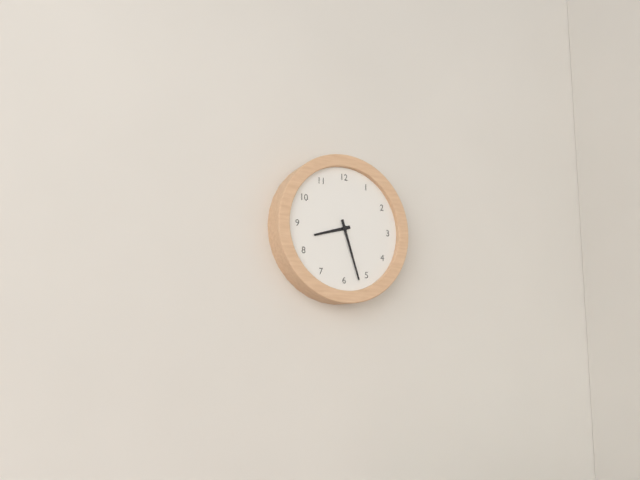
**8:27**
